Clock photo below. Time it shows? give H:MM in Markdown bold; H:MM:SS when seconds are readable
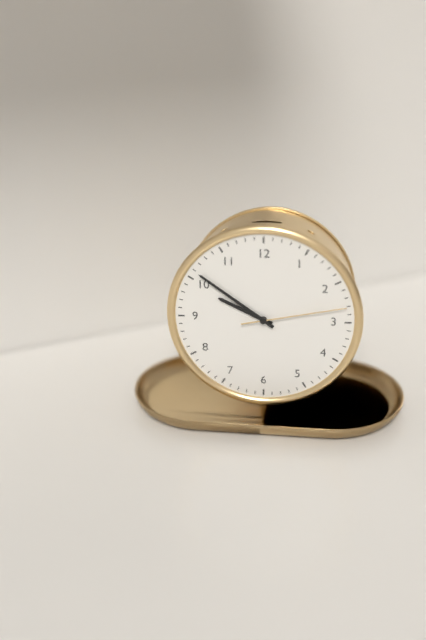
**9:51:13**
